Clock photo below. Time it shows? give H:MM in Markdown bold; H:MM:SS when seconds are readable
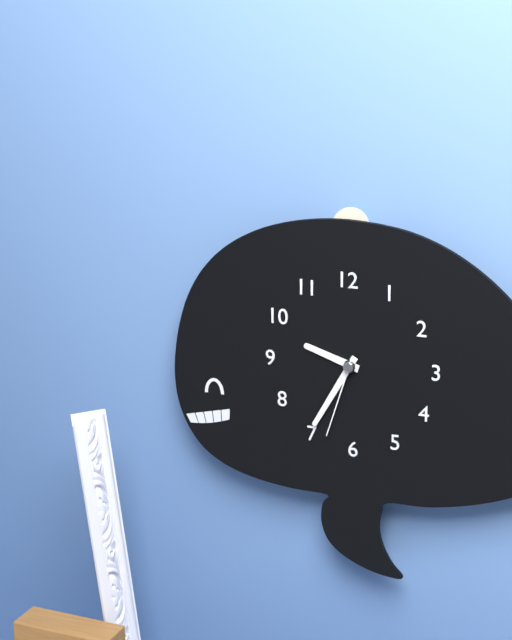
**9:35:33**
